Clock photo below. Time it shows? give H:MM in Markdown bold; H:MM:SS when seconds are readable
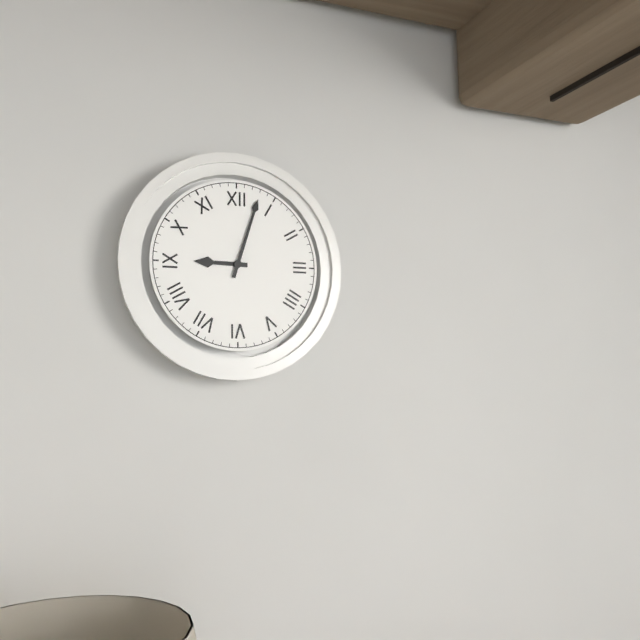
**9:03**
